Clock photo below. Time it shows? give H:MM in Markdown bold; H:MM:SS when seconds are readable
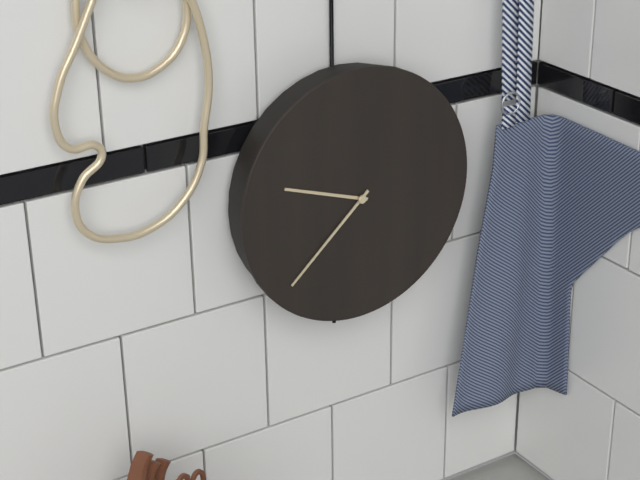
**9:38**
